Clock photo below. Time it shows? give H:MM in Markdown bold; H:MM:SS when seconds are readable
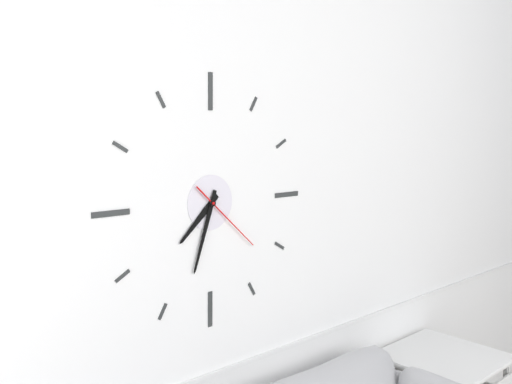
**7:33:22**
